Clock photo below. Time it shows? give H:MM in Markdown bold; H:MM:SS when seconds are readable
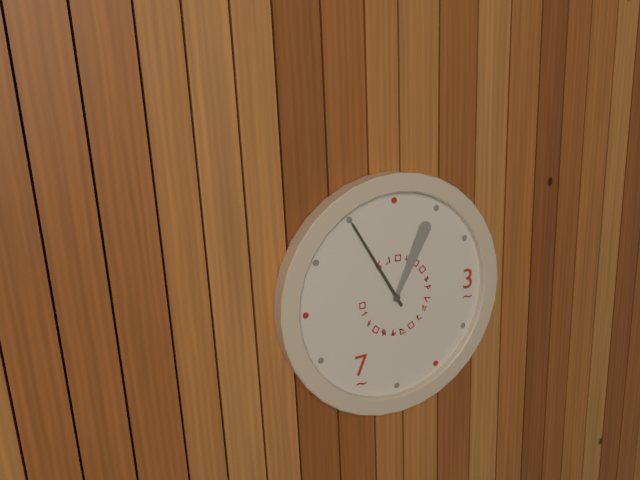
**12:55**
